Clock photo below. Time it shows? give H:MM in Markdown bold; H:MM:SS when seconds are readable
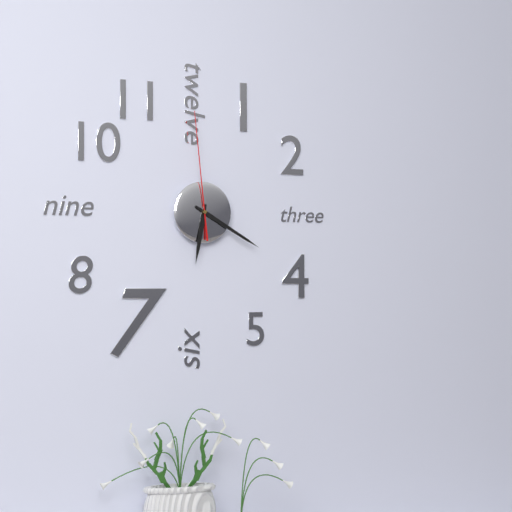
**6:20:59**
